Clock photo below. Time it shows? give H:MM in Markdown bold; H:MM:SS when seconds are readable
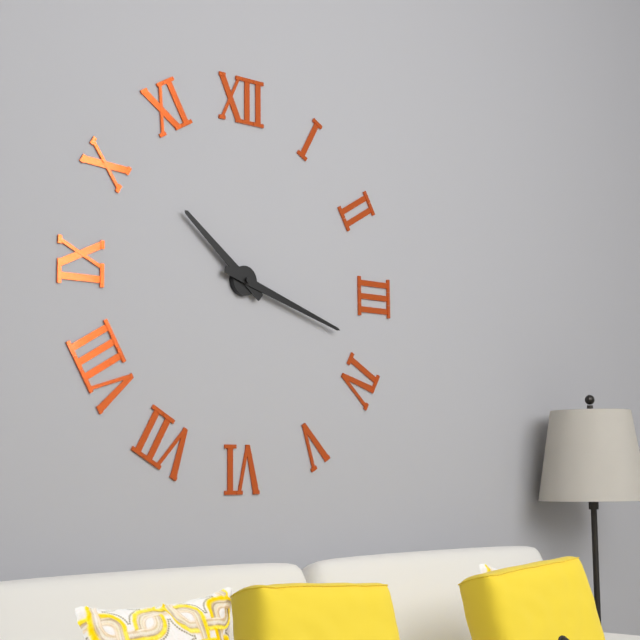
**10:18**
